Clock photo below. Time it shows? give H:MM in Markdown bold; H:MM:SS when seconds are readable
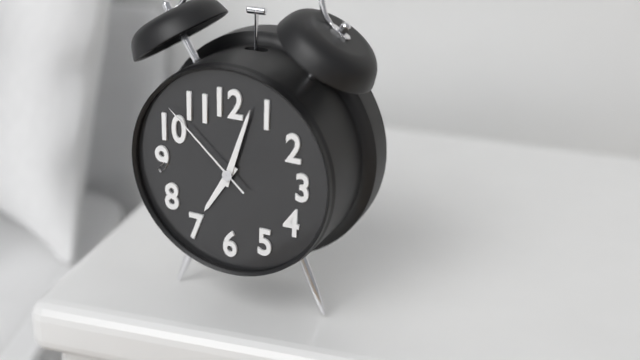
**7:03:52**
